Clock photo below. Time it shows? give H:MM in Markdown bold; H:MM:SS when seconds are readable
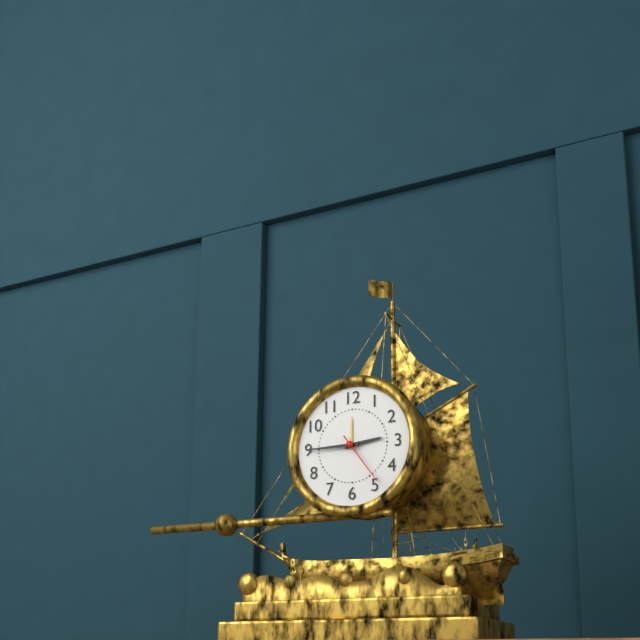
**2:45:24**
